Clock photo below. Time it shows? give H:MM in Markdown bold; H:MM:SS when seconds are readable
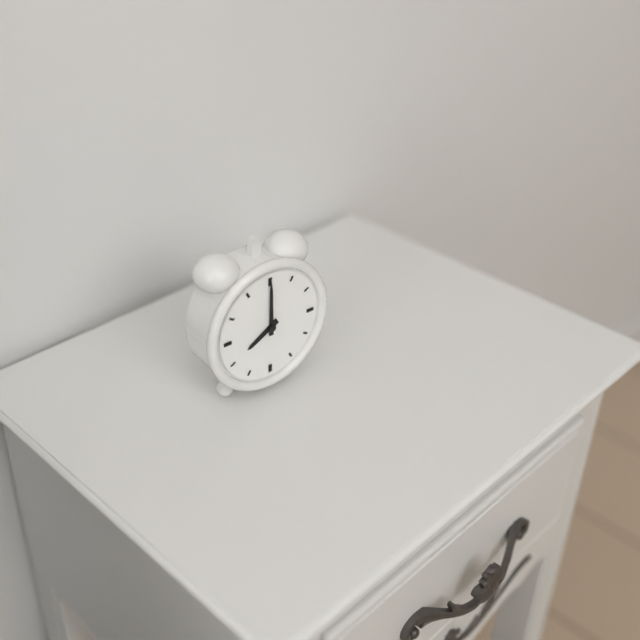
**8:00**
